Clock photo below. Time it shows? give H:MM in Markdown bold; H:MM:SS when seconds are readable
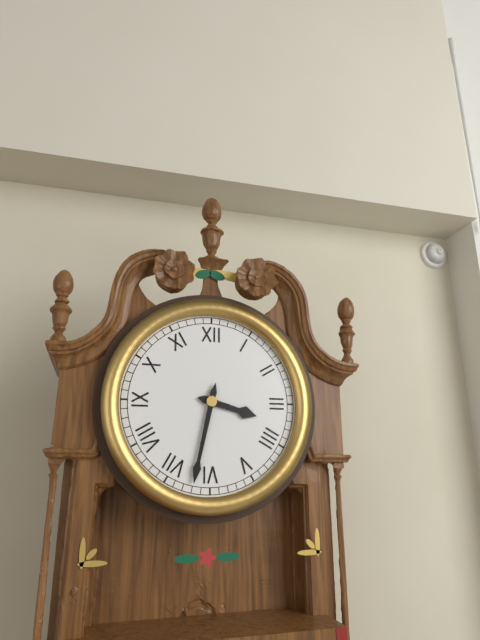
**3:32**
